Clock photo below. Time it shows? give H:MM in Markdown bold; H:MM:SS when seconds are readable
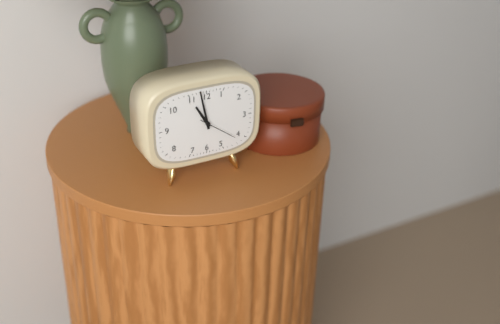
**10:58**
